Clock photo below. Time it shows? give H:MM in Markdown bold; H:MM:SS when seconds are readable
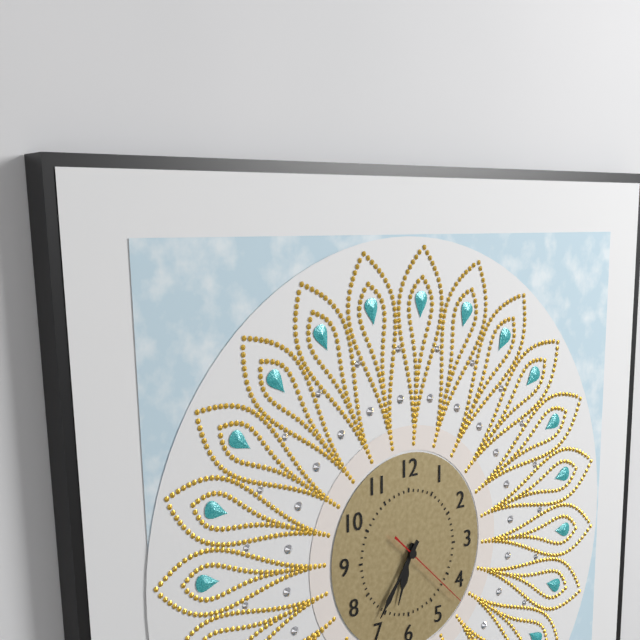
**6:36:22**
